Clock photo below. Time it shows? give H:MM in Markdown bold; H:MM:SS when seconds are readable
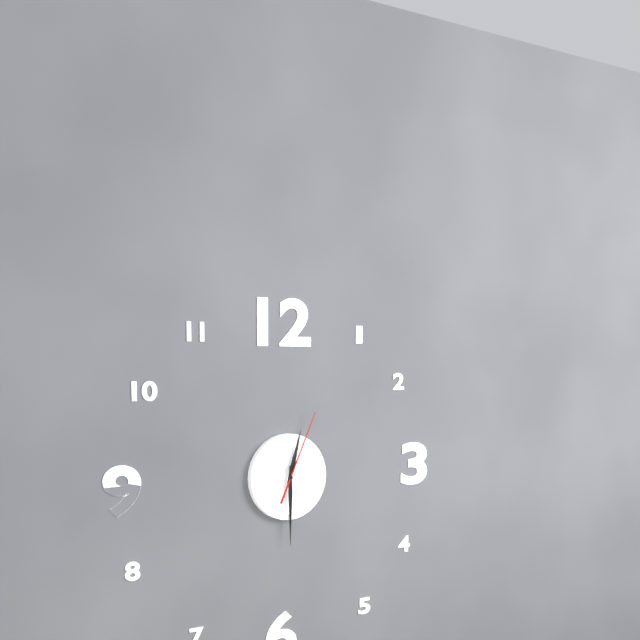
**12:30:04**
